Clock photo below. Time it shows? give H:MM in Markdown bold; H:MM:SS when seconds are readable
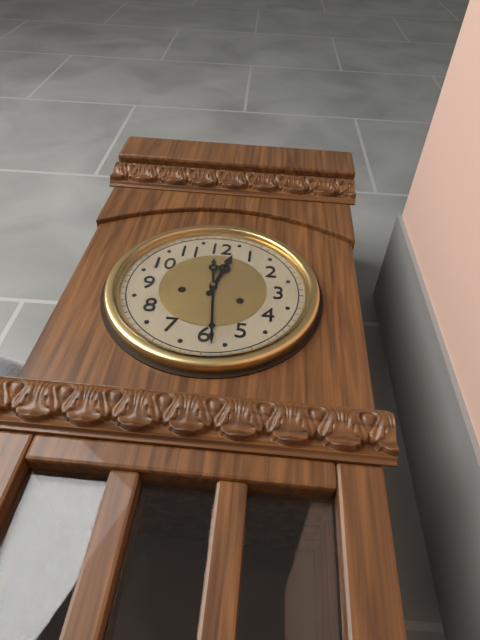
**12:29**
